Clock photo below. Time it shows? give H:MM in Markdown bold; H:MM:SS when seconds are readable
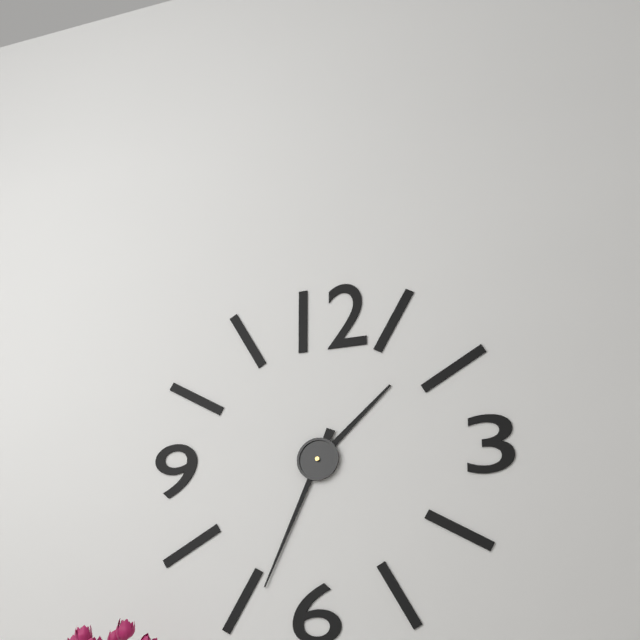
**1:34**
